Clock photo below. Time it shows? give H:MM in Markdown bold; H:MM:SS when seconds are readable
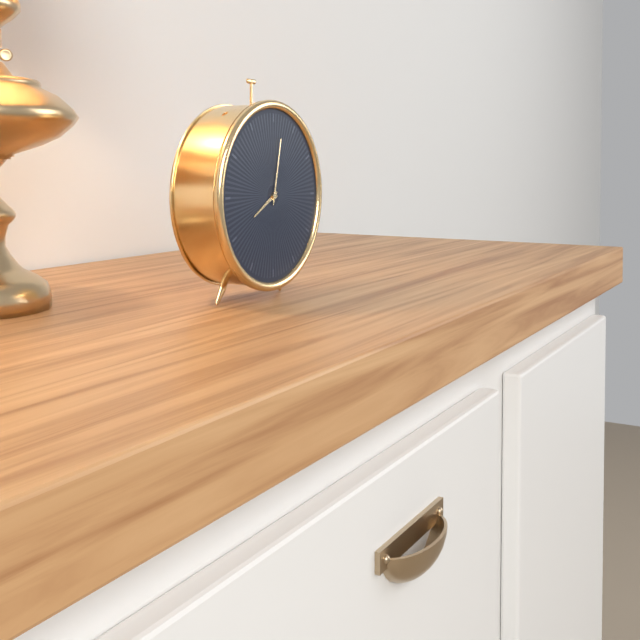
**8:02**
